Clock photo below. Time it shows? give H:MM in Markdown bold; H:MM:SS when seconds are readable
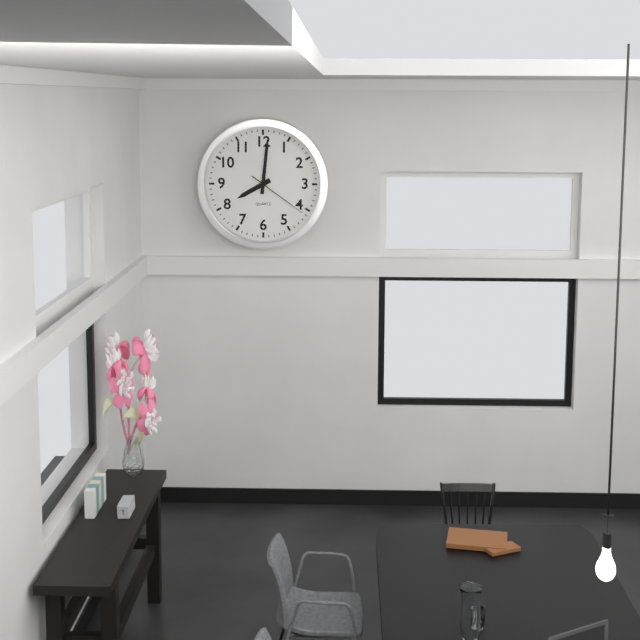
**8:01:21**
